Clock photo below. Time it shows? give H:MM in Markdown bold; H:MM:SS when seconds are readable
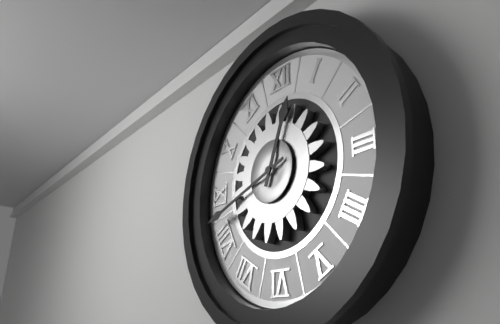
**12:42**
